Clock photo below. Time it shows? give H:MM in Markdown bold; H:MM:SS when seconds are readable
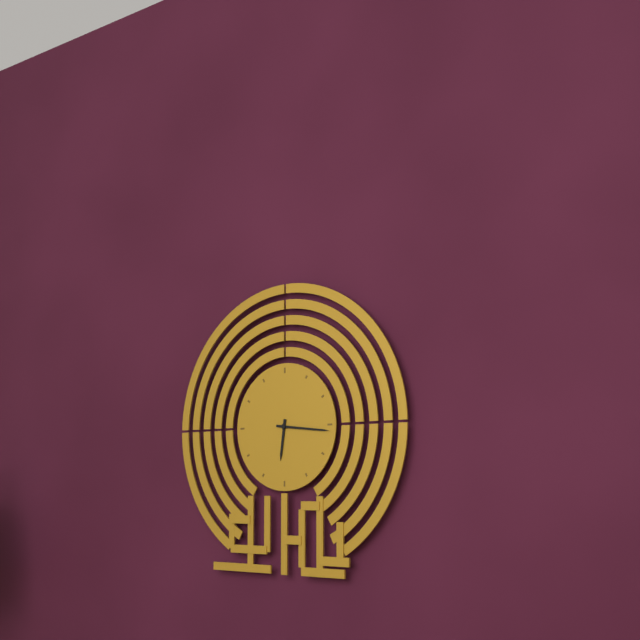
**6:16**
